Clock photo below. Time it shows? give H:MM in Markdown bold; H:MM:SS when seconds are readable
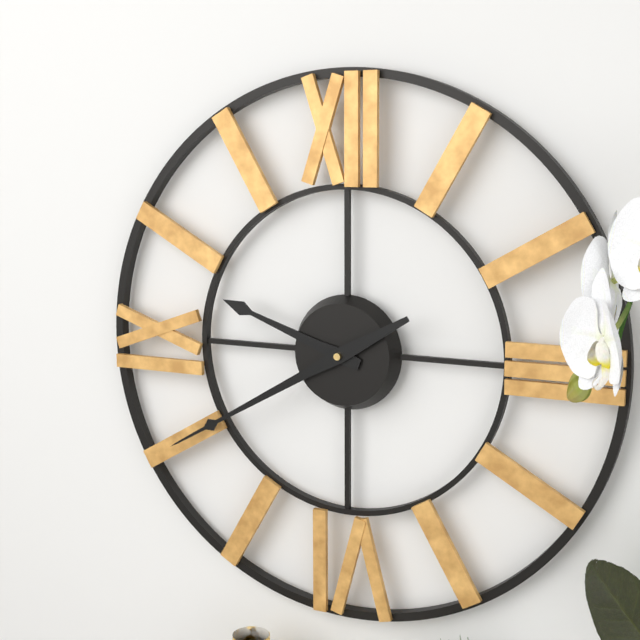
**9:40**
